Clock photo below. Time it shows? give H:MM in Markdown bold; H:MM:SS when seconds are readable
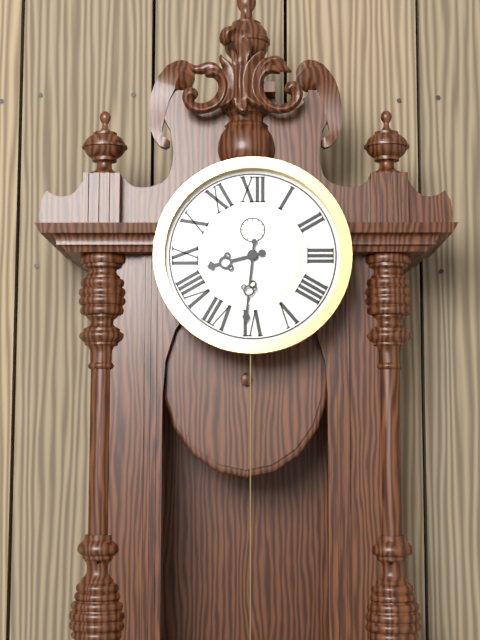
**8:31**
